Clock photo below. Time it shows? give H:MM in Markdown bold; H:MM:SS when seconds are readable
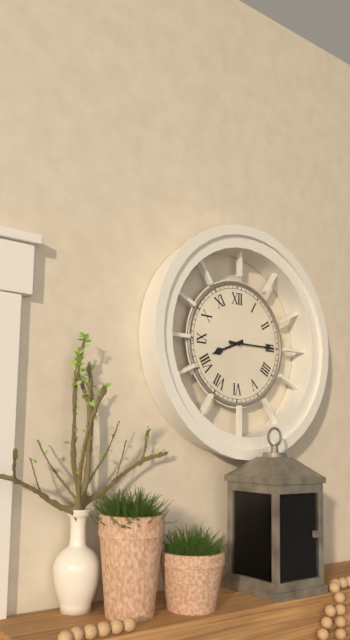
**8:15**
